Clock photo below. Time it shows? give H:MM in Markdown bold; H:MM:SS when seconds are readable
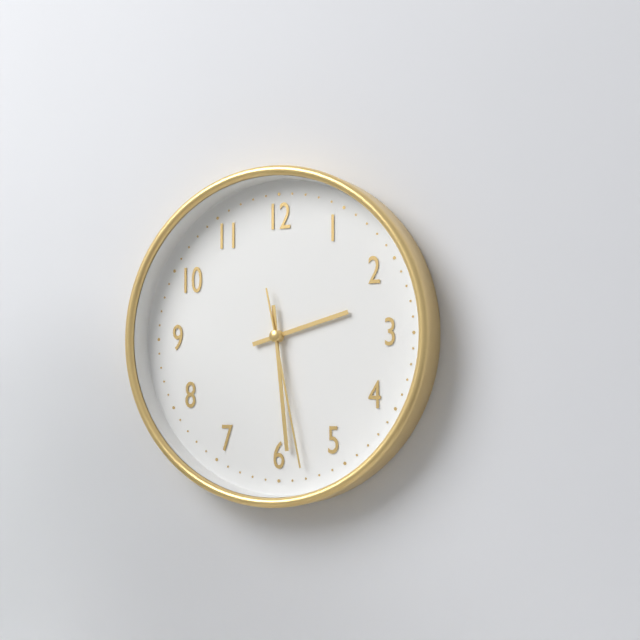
**2:29:28**
